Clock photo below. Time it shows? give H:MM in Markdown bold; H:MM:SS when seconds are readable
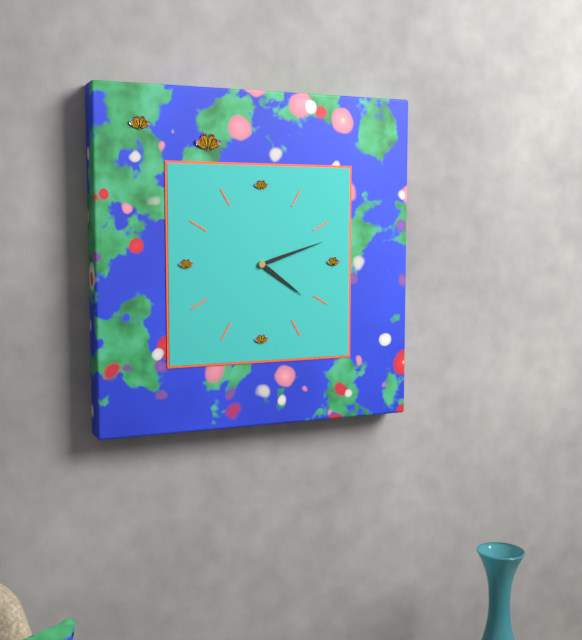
**4:12**
